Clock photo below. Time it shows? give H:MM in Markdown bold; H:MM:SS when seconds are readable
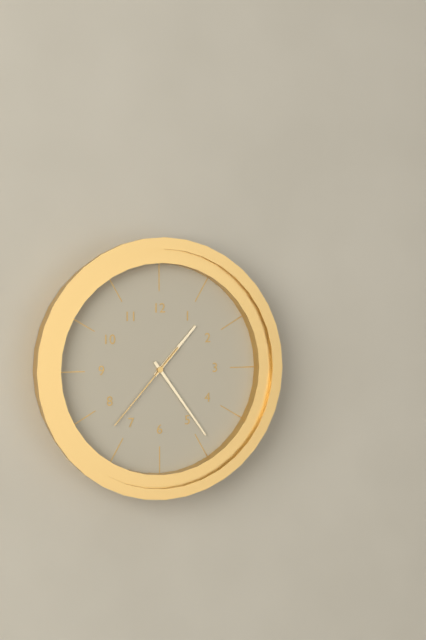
**1:24:37**
